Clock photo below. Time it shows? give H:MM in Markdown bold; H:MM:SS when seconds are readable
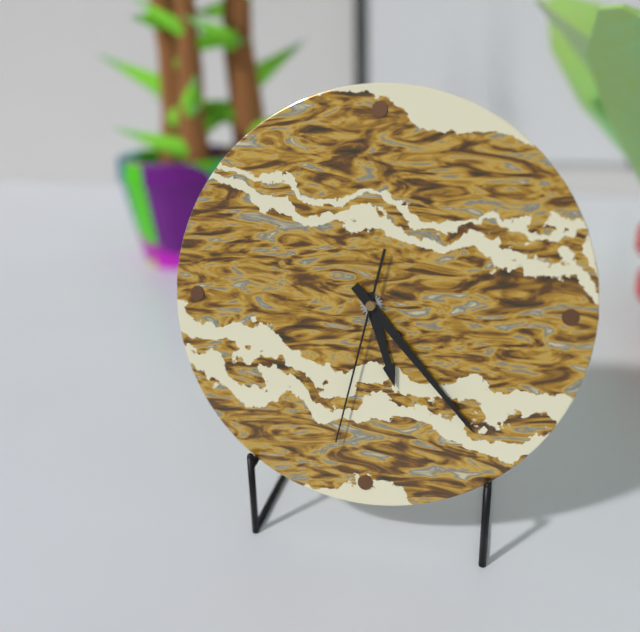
**5:23:32**
